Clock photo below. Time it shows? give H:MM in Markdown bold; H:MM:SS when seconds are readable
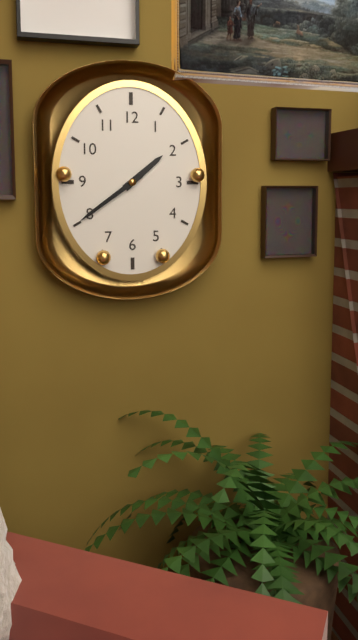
**1:39**
